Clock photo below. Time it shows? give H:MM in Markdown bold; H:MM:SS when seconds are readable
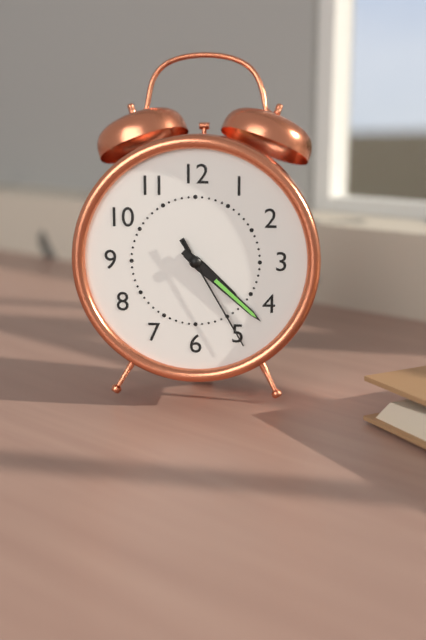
**4:22:25**
